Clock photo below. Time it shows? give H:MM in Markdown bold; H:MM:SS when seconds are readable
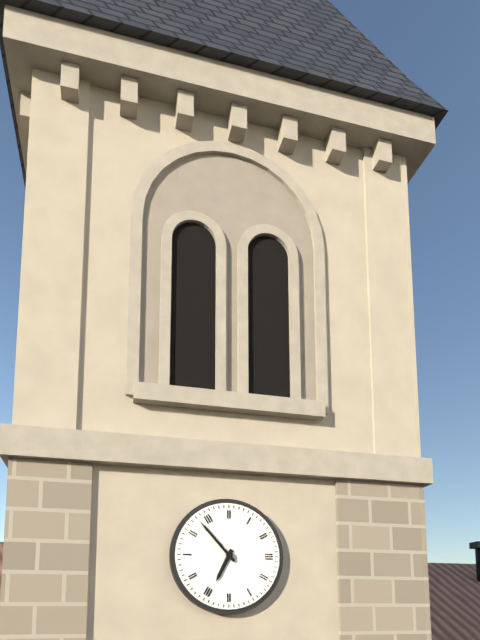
**6:53**
